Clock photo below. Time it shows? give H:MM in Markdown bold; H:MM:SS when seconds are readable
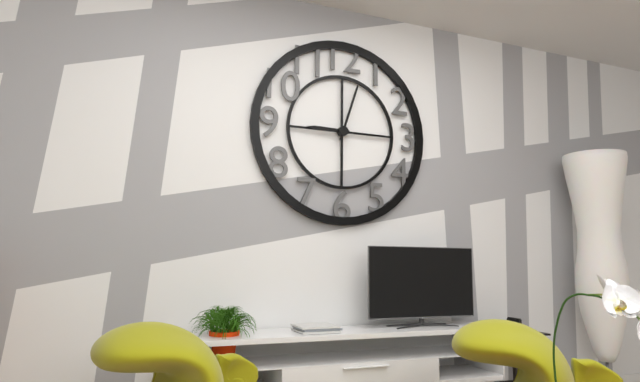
**9:03**
